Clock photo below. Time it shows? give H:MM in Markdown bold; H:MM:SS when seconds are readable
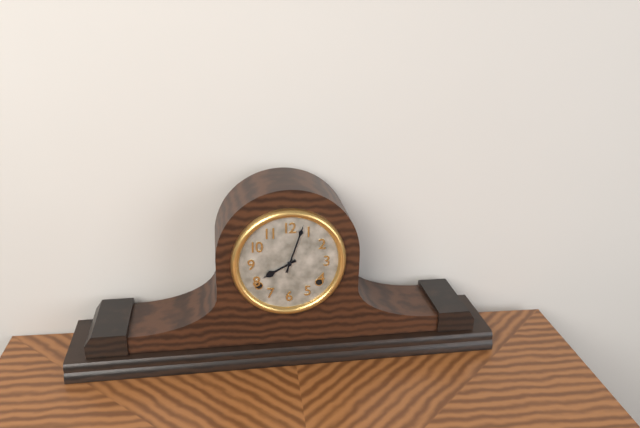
**8:03**
